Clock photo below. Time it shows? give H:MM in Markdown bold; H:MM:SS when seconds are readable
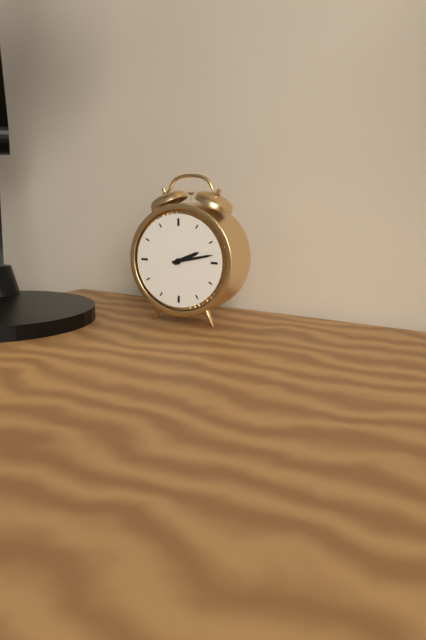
**2:13**
